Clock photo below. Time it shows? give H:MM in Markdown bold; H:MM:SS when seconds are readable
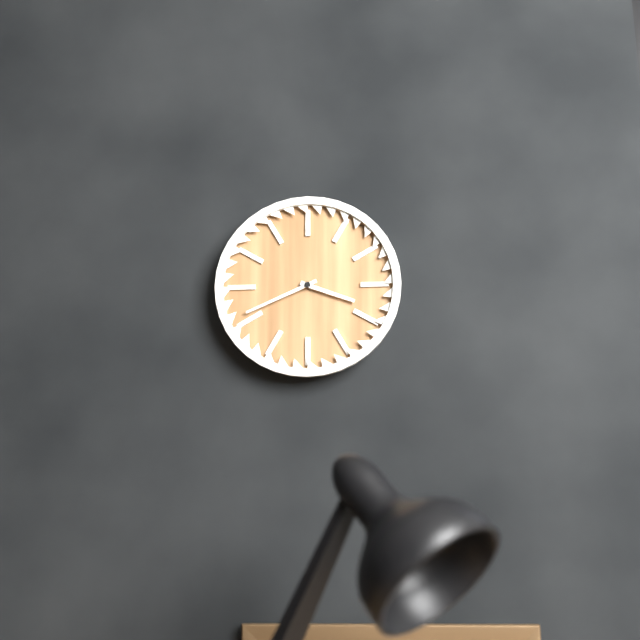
**3:41**
